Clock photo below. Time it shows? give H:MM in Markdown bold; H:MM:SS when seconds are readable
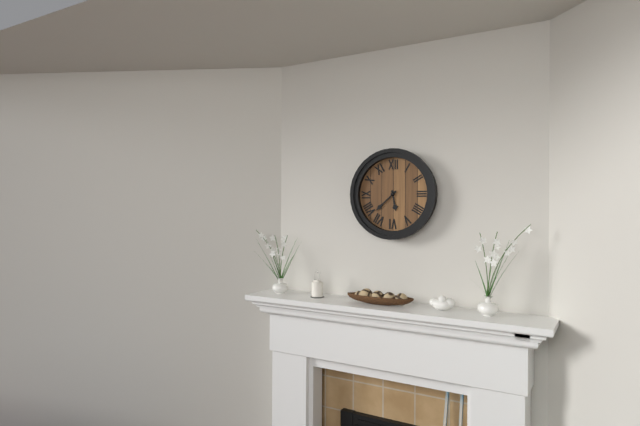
**5:38**
